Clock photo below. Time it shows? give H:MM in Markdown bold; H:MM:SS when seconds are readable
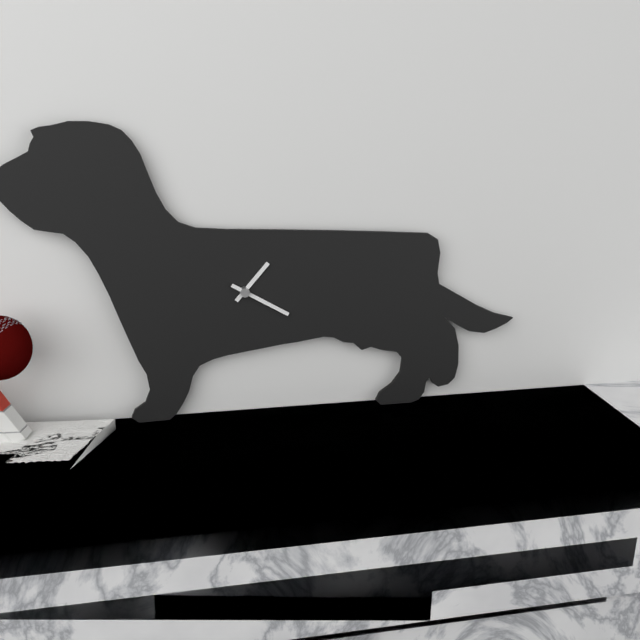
**1:20**
